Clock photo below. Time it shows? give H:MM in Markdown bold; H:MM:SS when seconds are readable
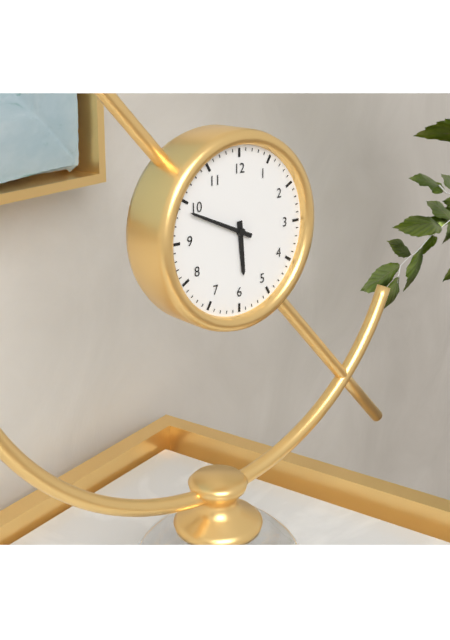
**5:49**
